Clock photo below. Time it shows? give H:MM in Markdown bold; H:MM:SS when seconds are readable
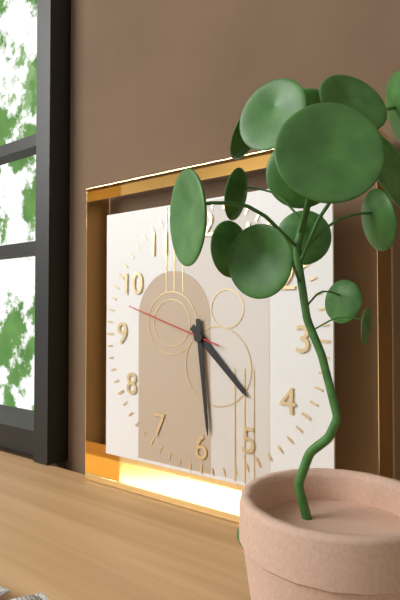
**4:29:48**
